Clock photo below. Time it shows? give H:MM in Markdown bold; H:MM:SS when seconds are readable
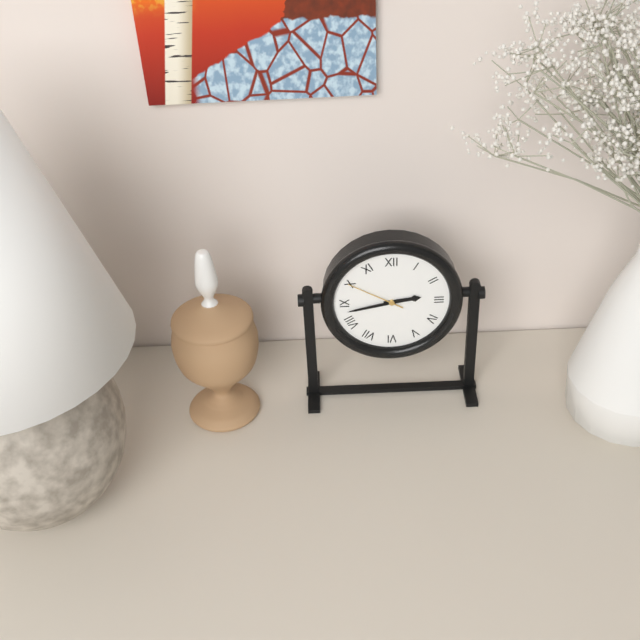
**2:43:50**
